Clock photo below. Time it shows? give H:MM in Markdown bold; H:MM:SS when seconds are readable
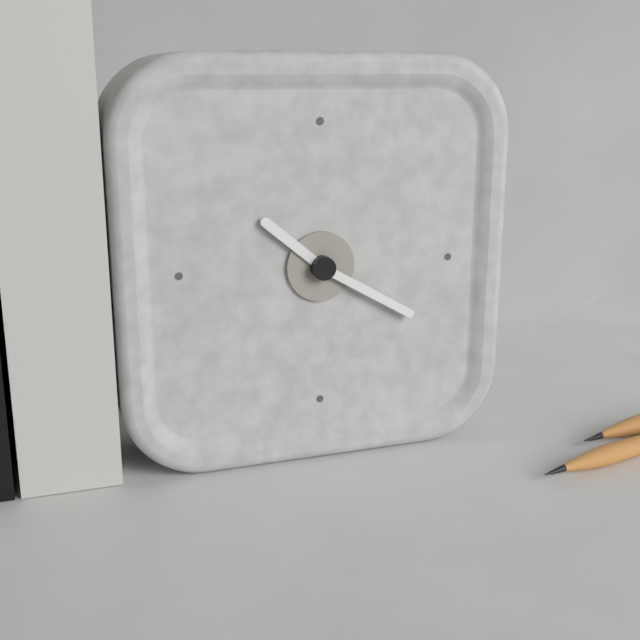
**10:20**
